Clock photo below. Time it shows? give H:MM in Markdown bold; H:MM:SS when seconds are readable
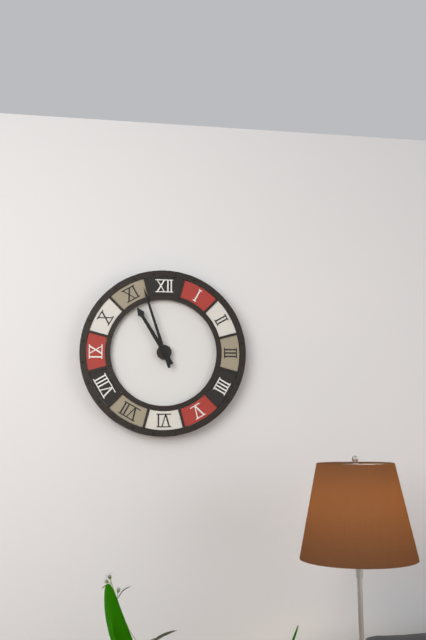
**10:57**
